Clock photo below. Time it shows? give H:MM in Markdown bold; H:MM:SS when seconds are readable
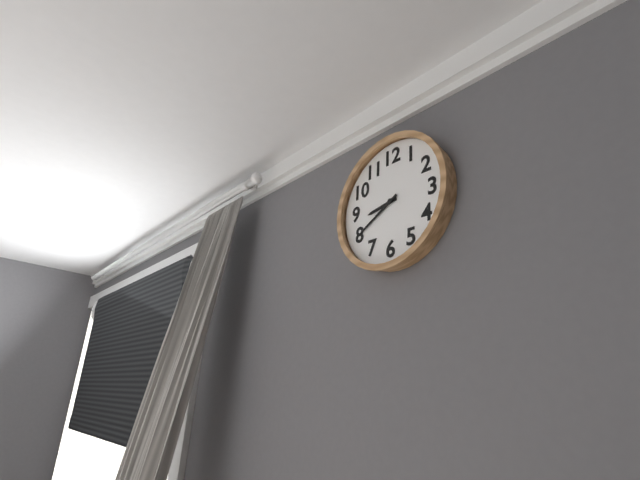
**8:40**
